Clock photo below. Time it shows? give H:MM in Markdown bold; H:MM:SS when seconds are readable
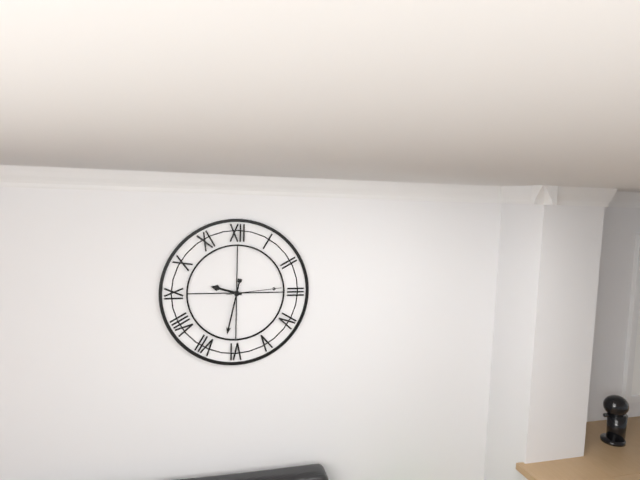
**9:32:14**
